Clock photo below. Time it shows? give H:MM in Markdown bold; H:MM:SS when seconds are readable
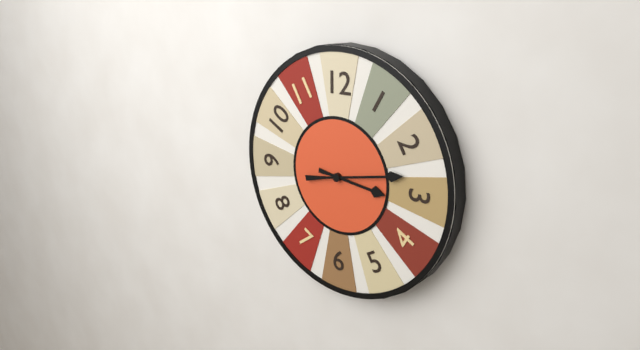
**3:13**
